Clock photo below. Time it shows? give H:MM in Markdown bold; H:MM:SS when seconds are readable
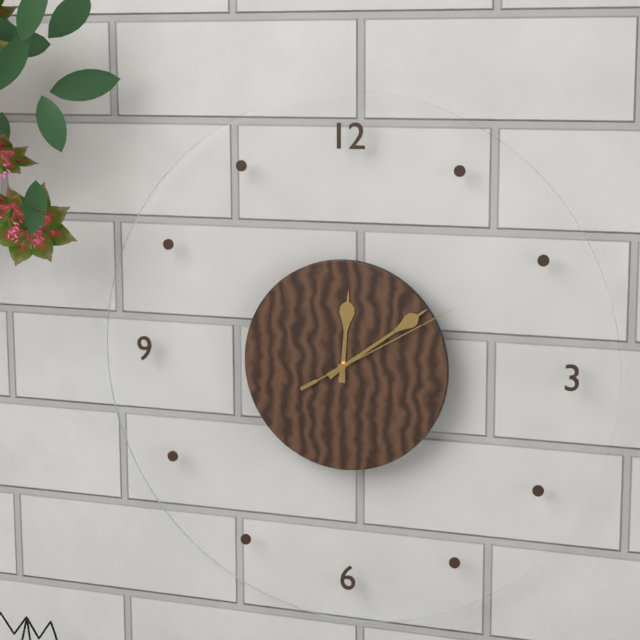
**12:09:10**
